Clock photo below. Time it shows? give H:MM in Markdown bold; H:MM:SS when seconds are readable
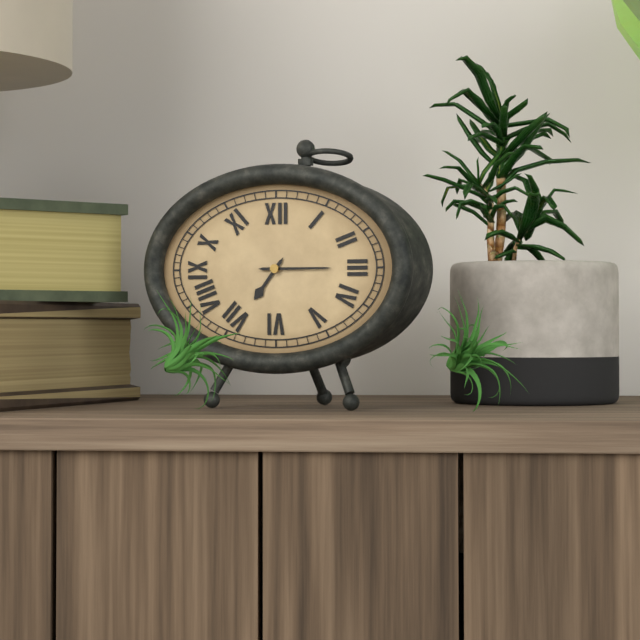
**7:15**
